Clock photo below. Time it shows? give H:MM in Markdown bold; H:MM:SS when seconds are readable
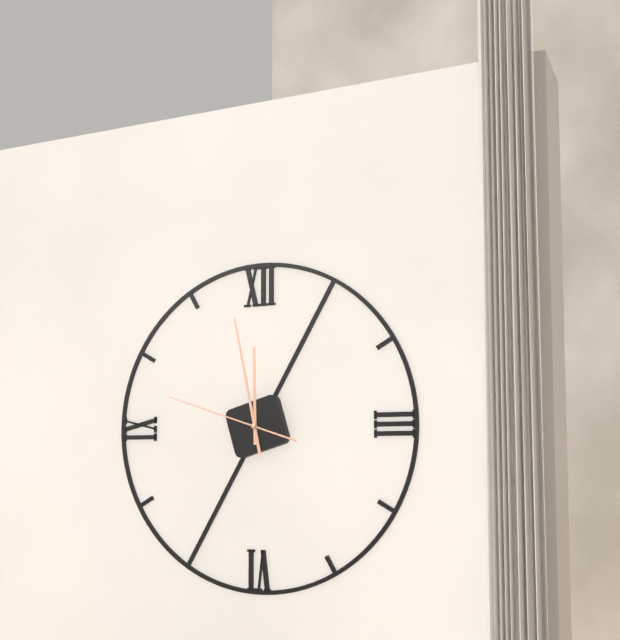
**11:58:48**
